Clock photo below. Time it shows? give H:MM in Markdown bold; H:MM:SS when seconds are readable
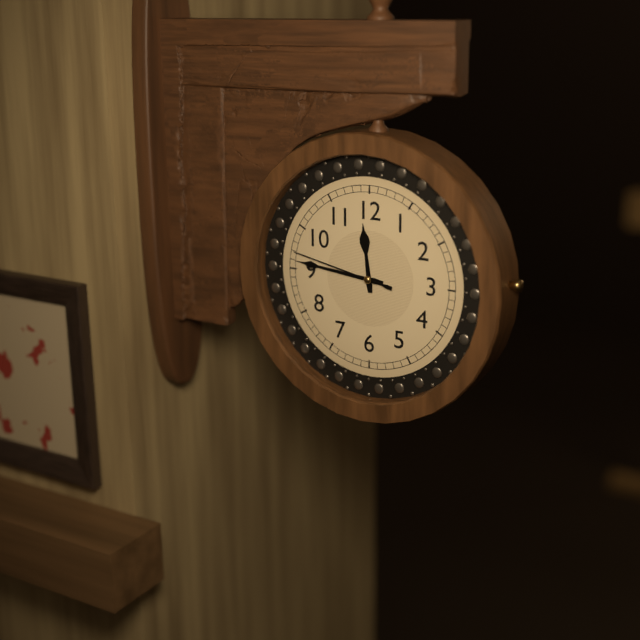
**11:46:47**
